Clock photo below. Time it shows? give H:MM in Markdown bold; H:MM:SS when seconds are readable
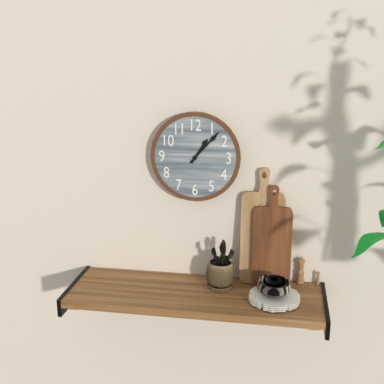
**1:07**
